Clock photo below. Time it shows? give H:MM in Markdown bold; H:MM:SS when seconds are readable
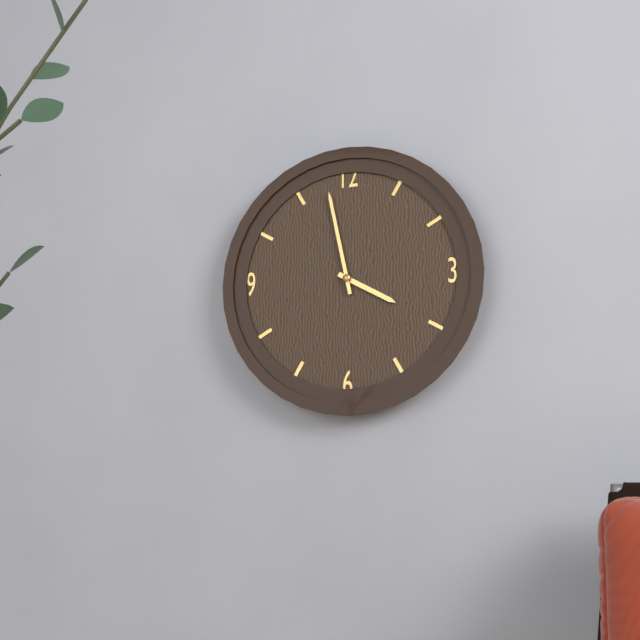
**3:58**
